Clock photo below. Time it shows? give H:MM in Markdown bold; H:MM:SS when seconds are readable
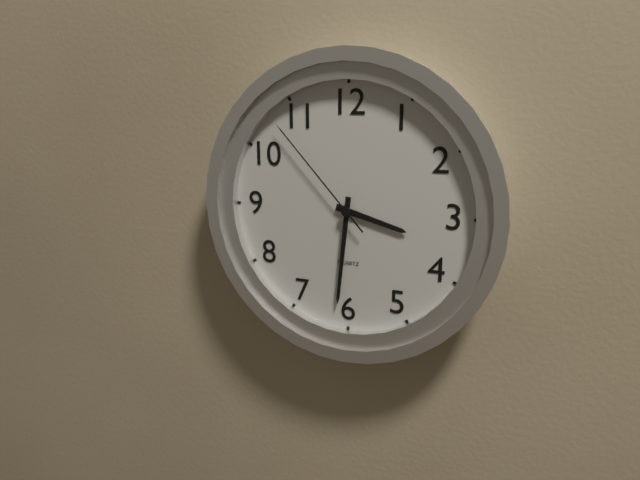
**3:31:53**
